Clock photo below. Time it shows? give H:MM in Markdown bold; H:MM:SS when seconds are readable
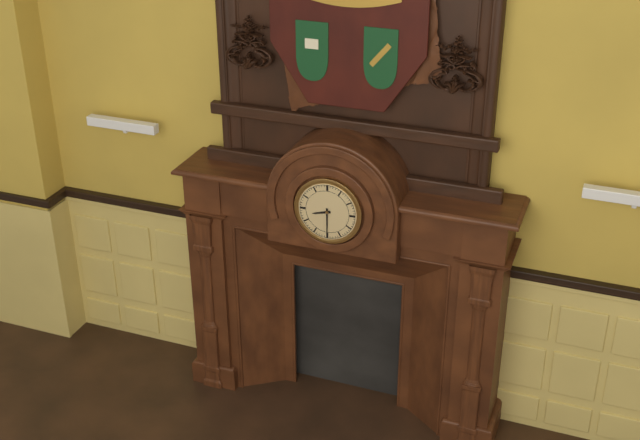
**8:30**
